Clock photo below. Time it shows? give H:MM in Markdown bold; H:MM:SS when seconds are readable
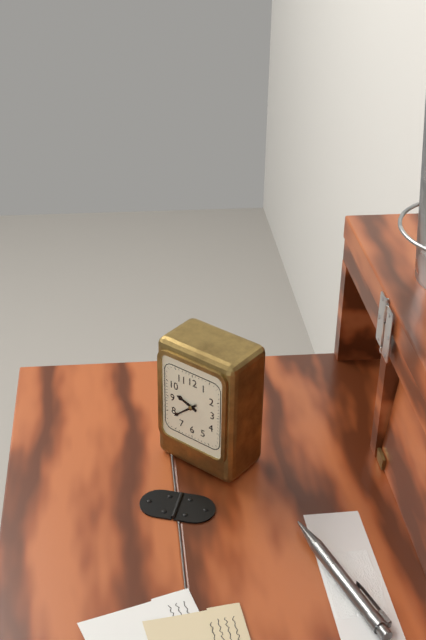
**9:38**
